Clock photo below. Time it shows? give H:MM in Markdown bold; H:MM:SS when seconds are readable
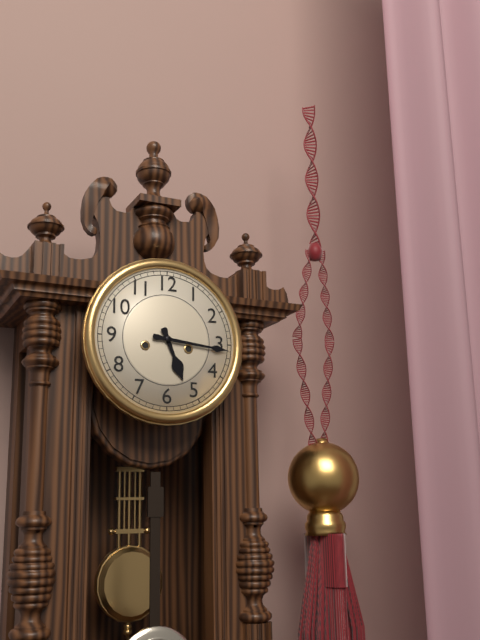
**5:16**
